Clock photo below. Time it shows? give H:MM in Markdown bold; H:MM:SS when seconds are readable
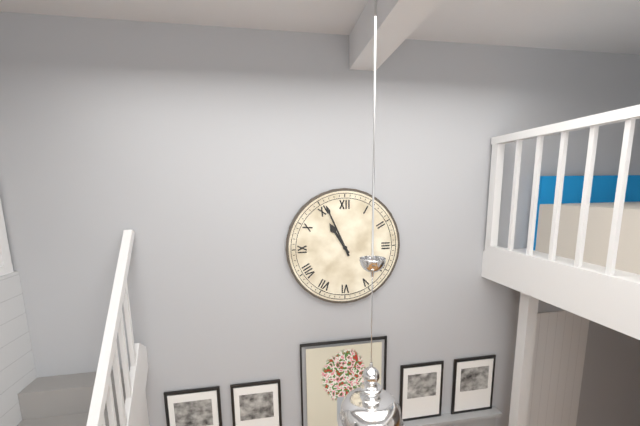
**10:56**
